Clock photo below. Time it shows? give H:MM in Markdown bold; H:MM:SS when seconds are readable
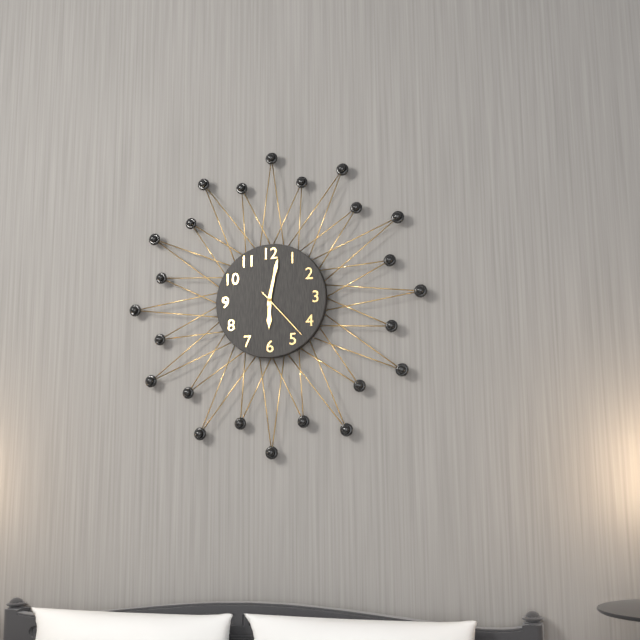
**6:02:23**
